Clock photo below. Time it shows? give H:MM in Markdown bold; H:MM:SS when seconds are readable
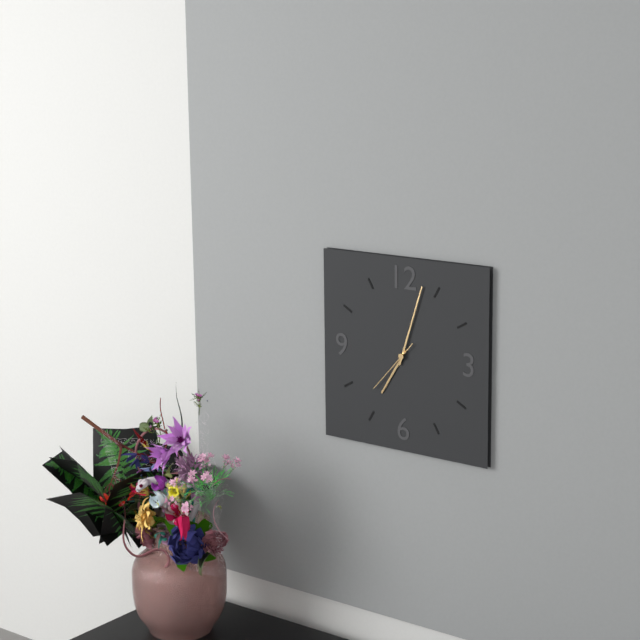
**7:03:37**
